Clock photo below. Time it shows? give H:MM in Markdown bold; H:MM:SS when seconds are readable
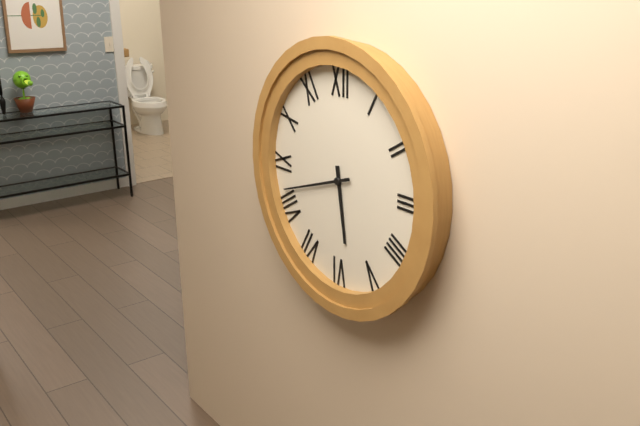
**5:42**
